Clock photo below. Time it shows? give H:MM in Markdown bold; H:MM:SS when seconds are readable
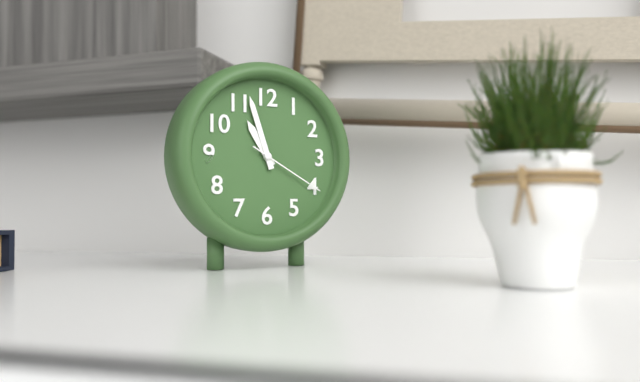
**10:57:20**
